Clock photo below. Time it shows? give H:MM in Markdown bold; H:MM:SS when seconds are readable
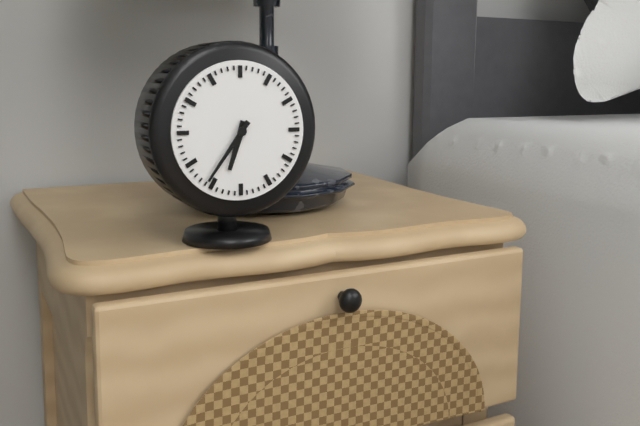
**6:36**
